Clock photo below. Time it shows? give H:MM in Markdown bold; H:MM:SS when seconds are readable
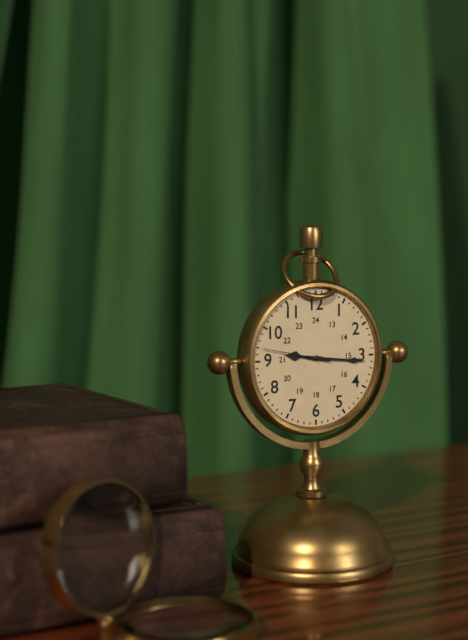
**9:16:47**
